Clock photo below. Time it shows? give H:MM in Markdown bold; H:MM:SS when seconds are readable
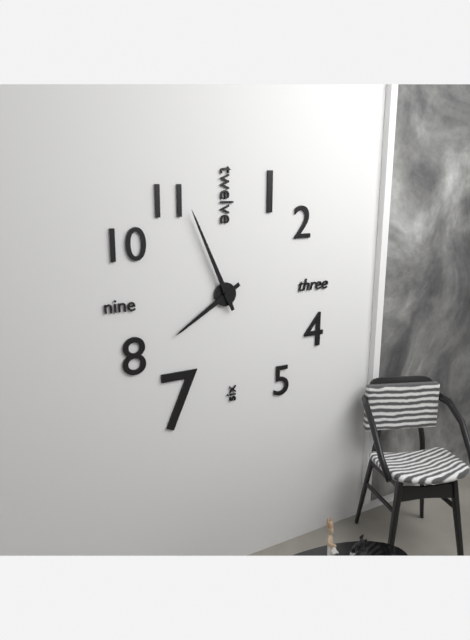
**7:56**
